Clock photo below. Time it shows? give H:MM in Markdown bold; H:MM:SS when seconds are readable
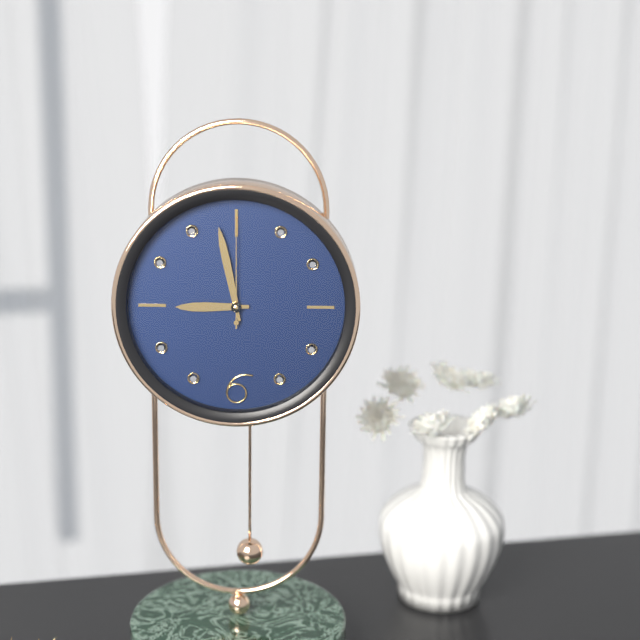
**8:58:00**
